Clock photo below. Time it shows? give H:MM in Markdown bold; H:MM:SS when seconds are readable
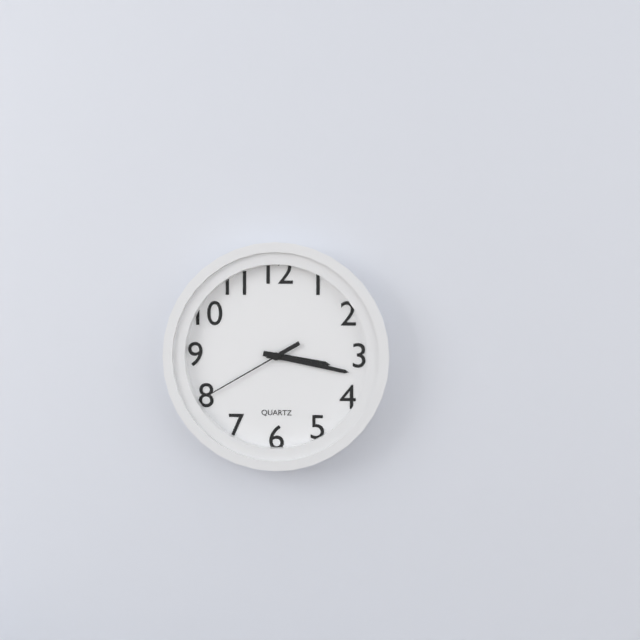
**3:17:40**
